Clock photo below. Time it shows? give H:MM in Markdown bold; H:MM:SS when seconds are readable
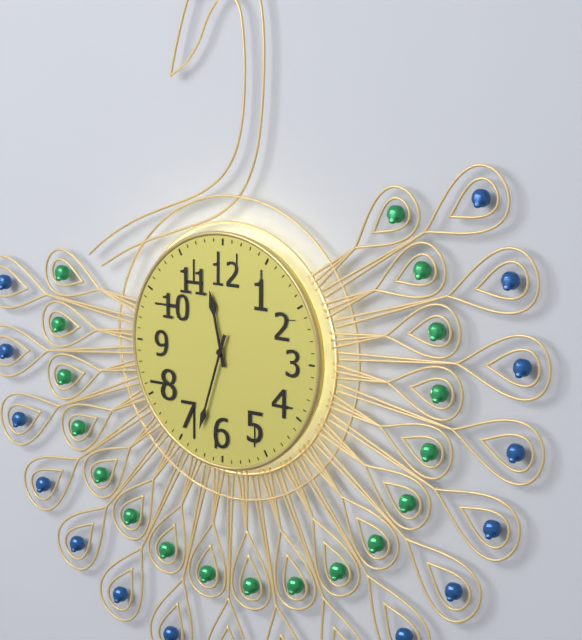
**11:33**
